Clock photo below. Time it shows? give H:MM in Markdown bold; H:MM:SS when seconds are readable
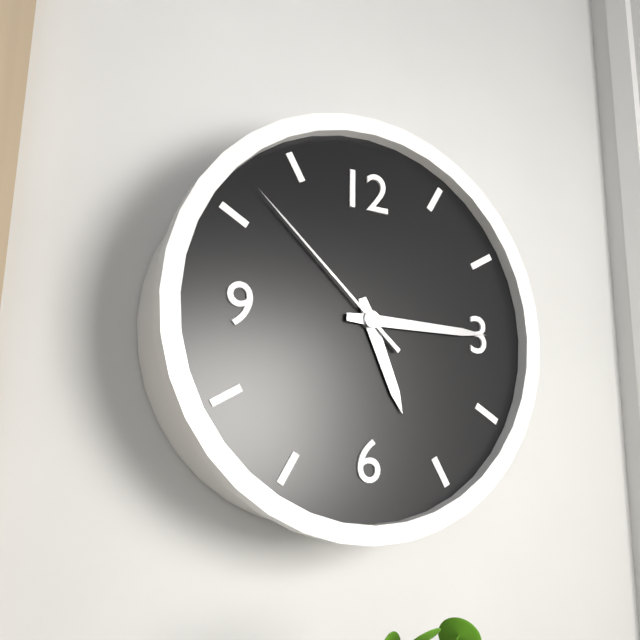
**5:15:52**
